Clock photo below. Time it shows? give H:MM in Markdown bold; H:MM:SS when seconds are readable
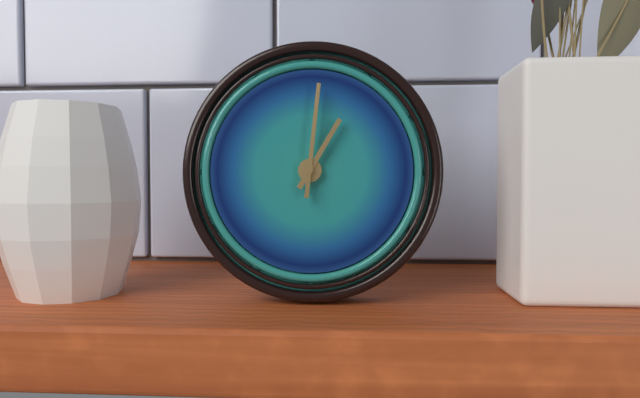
**1:01**
